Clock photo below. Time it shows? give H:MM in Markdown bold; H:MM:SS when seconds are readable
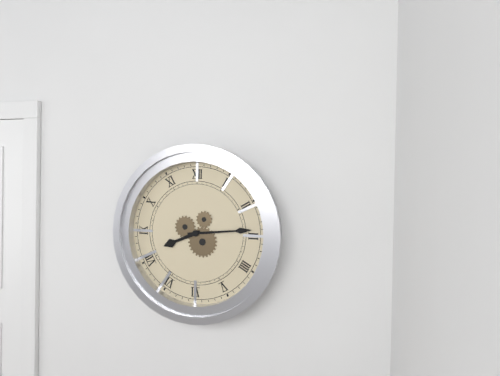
**8:14**
